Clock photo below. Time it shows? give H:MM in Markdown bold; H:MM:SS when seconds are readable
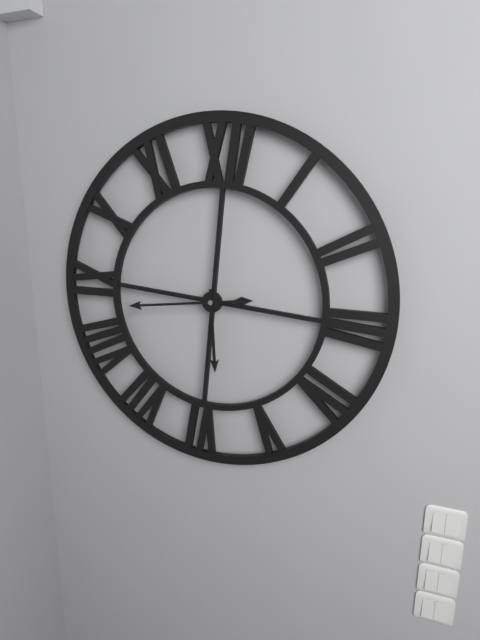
**5:43**
